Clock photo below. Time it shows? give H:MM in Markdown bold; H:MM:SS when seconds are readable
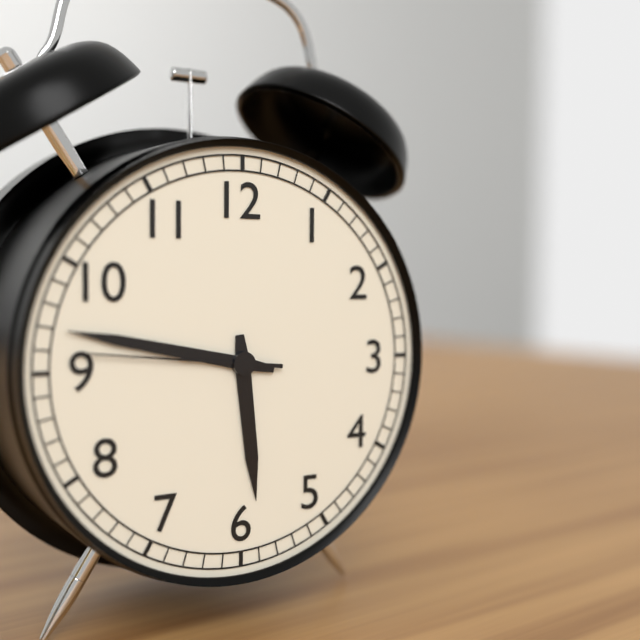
**5:47:46**
